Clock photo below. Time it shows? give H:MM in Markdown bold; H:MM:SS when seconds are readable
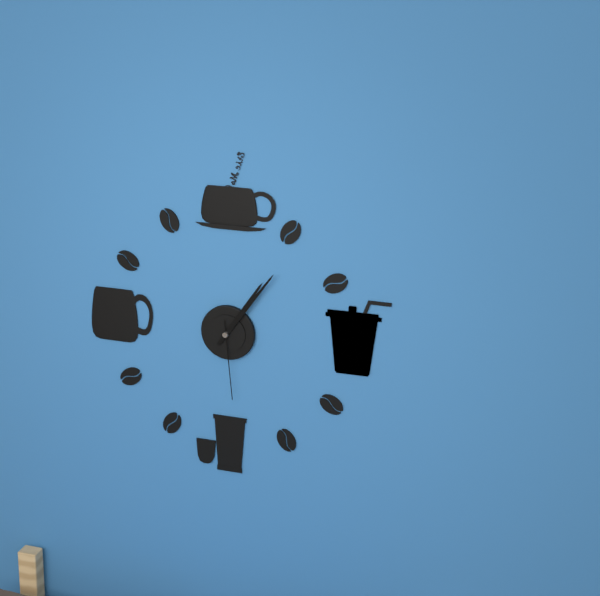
**1:06:29**
